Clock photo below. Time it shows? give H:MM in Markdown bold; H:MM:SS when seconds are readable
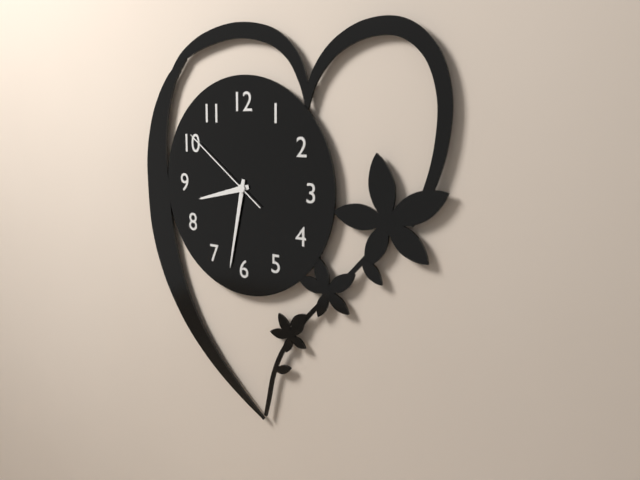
**8:32:51**
